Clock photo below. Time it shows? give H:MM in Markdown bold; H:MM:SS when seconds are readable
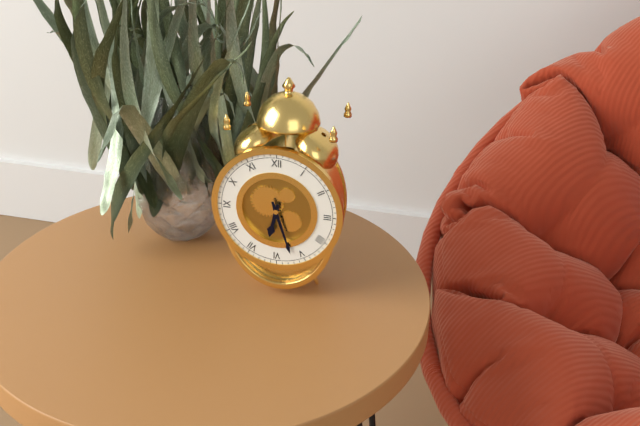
**6:27**
